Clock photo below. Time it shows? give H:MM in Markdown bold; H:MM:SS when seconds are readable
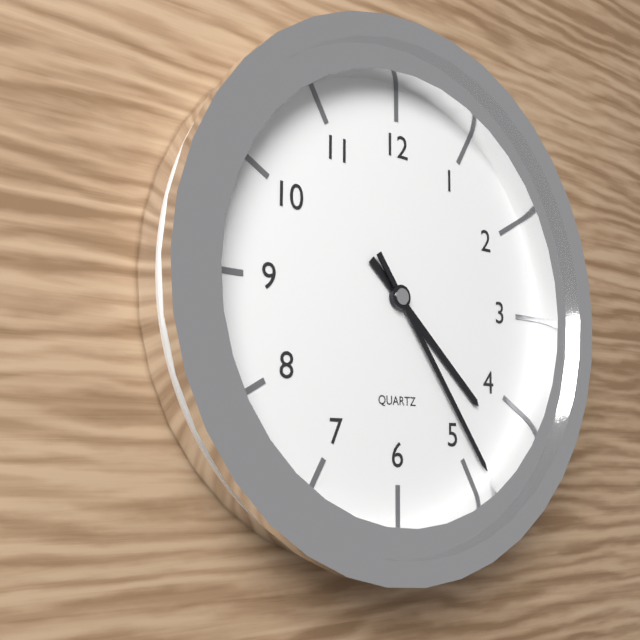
**4:24**
